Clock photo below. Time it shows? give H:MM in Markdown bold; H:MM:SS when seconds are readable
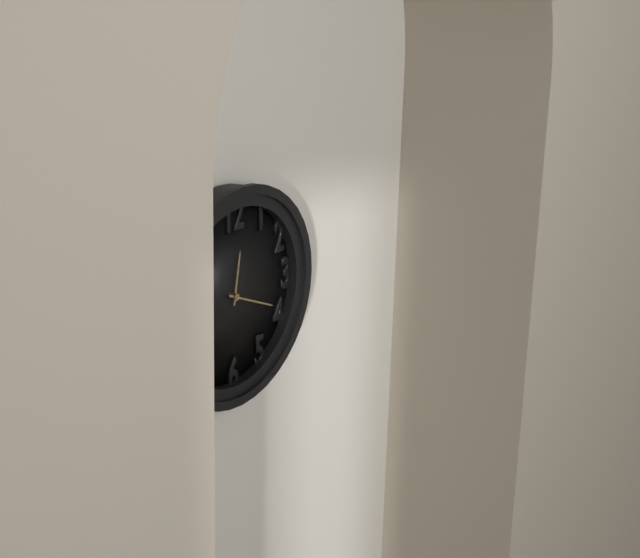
**12:19**
